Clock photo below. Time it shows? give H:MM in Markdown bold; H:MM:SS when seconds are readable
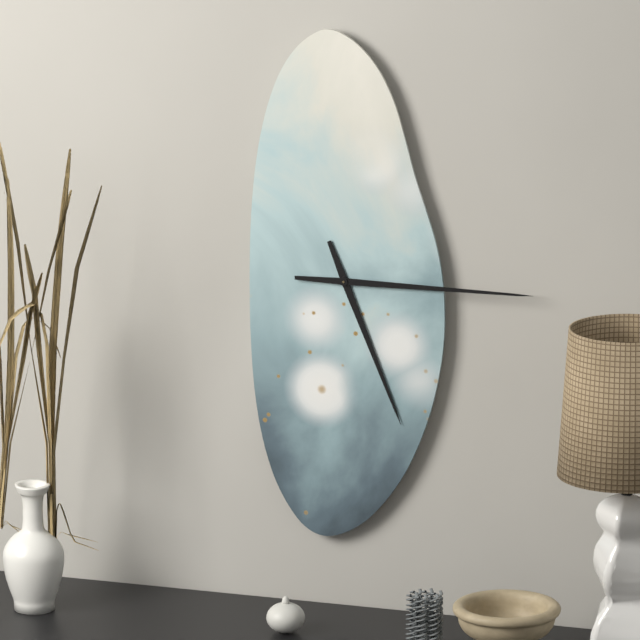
**5:15**
